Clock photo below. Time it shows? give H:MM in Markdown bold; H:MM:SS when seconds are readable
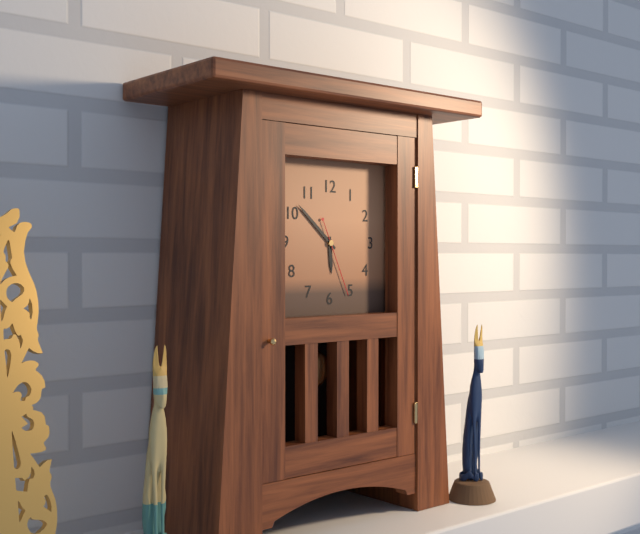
**5:52:26**
